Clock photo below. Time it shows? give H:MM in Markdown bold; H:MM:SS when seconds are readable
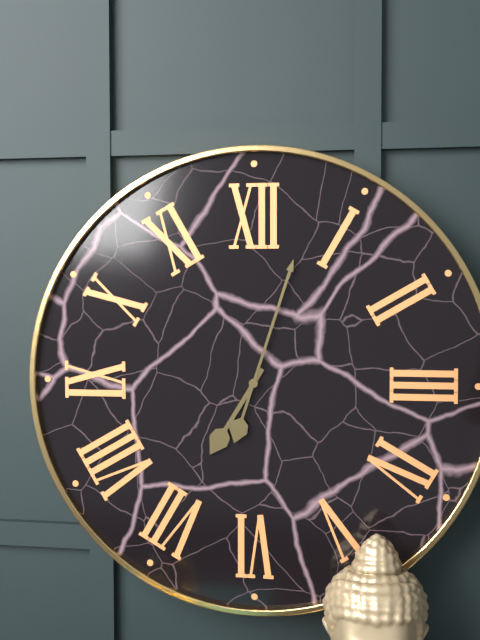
**7:03**
